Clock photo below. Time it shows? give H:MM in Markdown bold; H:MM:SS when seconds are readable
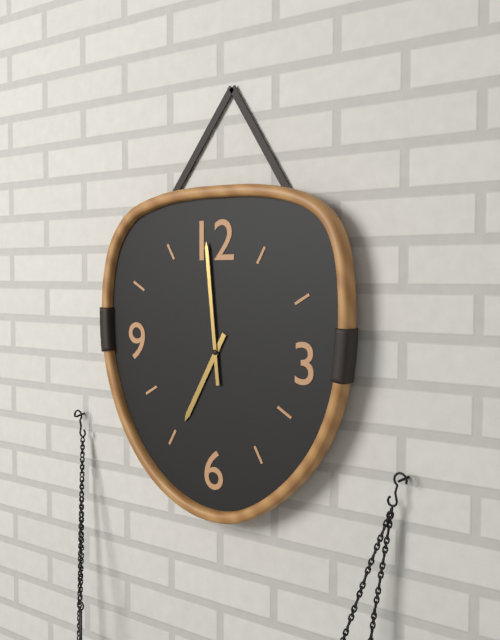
**6:59**
